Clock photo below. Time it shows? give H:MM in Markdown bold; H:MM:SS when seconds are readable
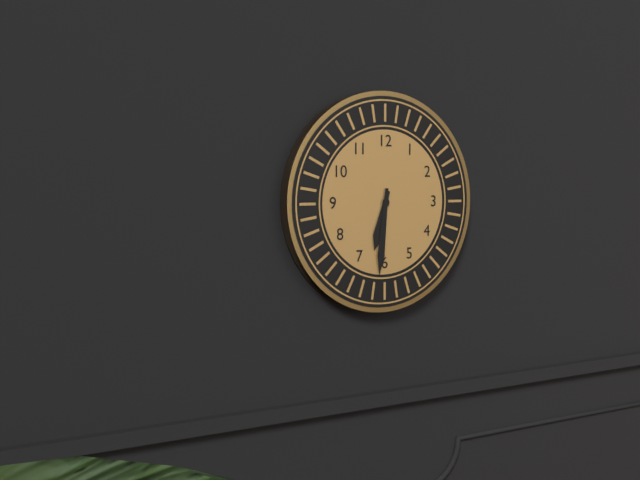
**6:31**
